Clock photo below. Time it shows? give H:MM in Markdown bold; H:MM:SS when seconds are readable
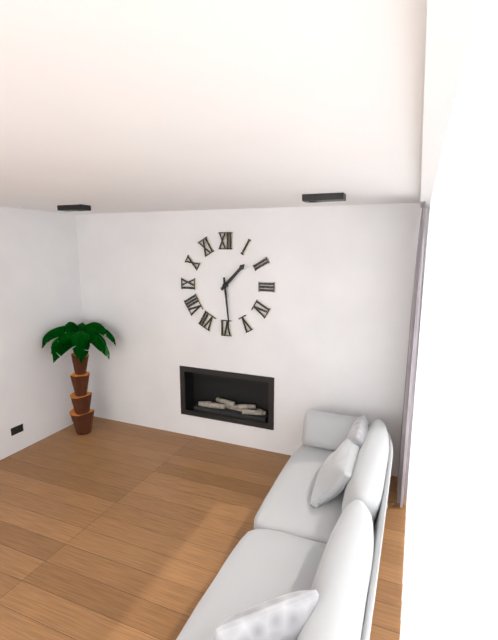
**1:29**
